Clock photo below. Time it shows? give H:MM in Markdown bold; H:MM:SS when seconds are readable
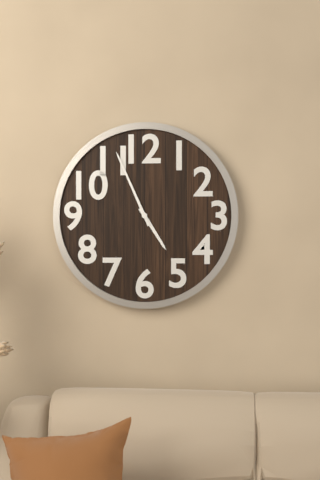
**4:56**
